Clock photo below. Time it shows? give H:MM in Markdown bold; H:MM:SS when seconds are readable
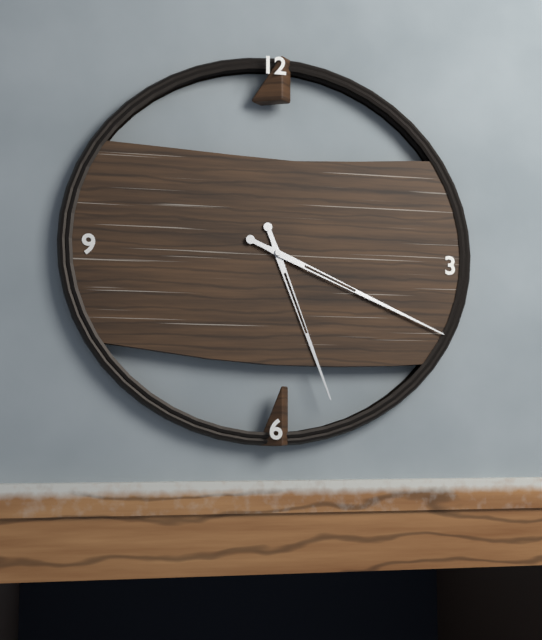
**5:19**
